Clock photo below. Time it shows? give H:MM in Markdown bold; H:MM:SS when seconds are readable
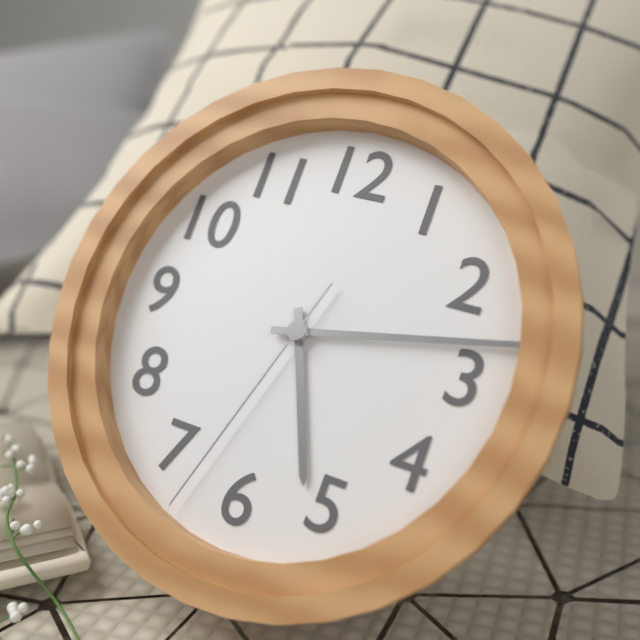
**5:13:33**
